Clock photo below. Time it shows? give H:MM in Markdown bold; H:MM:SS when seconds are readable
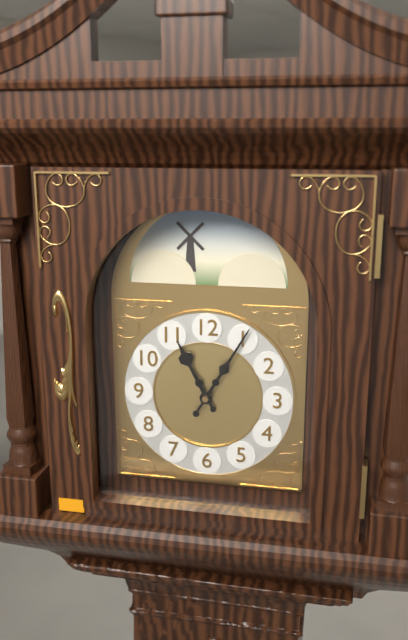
**11:05**
